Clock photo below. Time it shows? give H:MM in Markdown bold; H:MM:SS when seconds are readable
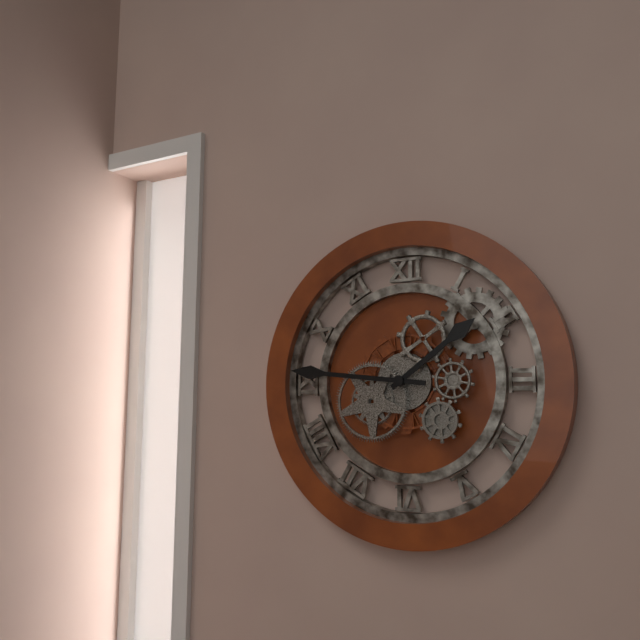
**1:46**
